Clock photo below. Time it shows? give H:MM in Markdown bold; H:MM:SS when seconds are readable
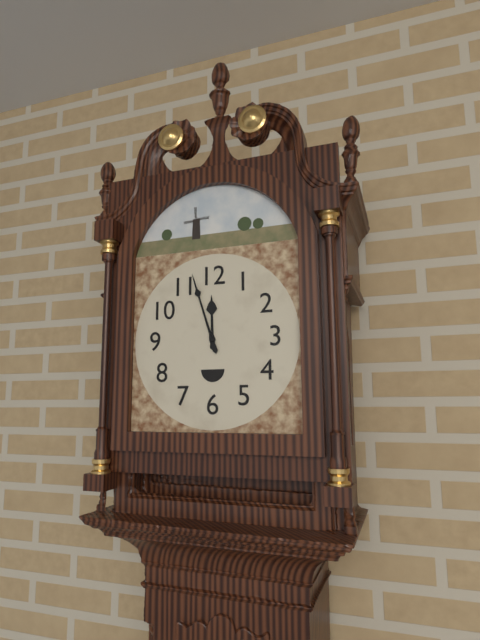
**11:57**
